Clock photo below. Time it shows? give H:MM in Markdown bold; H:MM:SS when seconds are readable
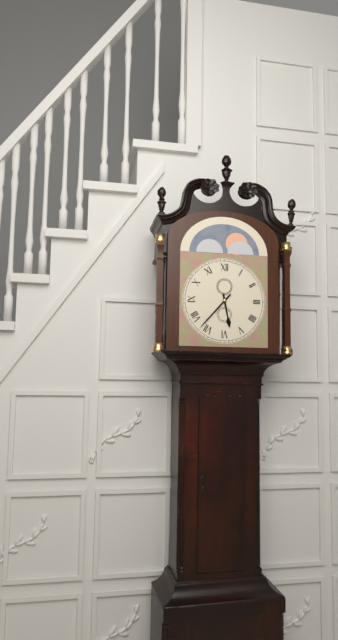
**5:37**
